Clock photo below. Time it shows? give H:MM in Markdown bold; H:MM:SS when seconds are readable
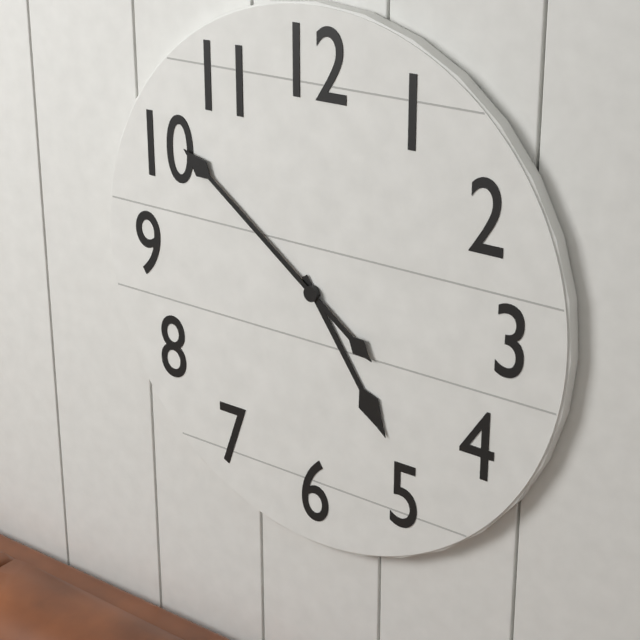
**4:51**
